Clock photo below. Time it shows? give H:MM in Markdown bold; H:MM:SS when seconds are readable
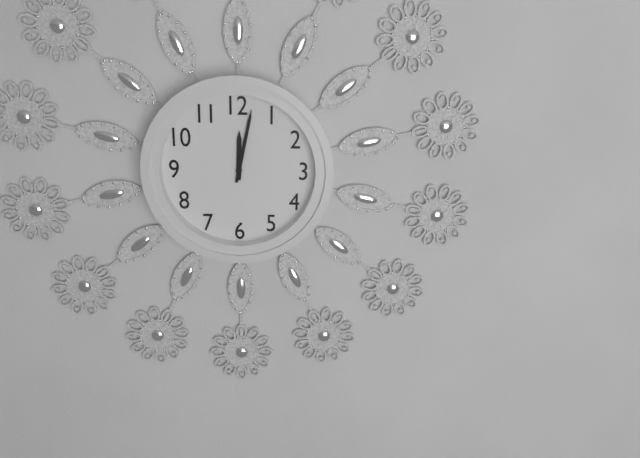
**12:02**
